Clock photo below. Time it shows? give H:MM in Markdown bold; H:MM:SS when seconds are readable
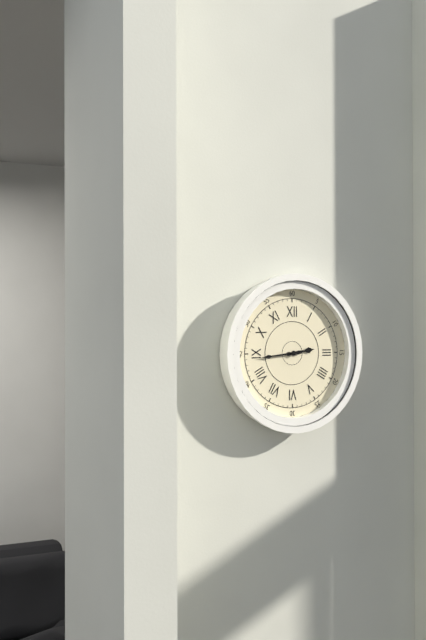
**2:44**
